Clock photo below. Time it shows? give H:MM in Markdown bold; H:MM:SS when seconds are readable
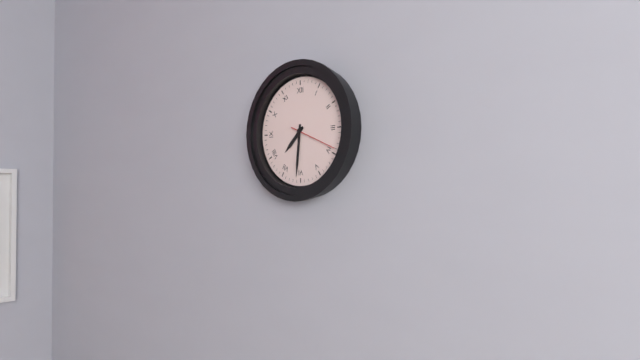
**7:31**
